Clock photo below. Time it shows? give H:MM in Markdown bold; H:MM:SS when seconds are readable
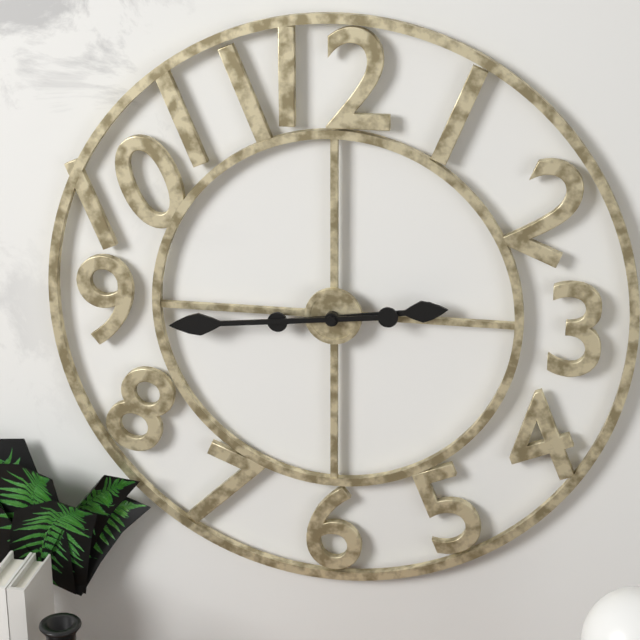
**2:44**
